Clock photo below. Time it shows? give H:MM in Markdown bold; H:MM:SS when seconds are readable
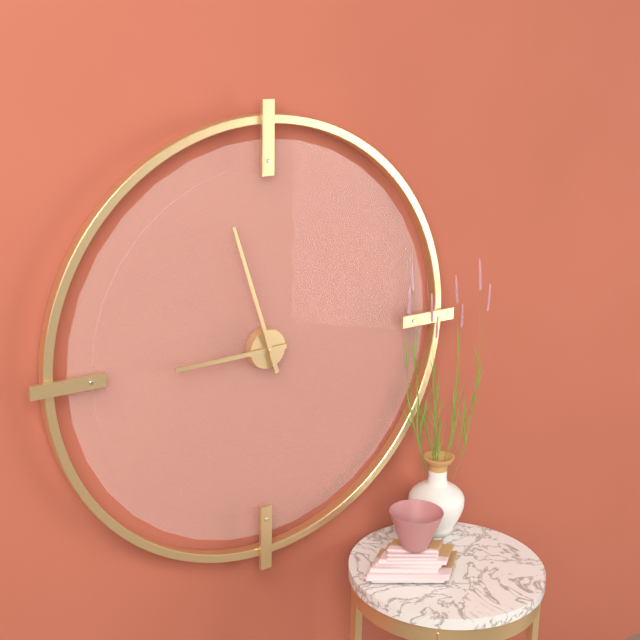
**8:57**
